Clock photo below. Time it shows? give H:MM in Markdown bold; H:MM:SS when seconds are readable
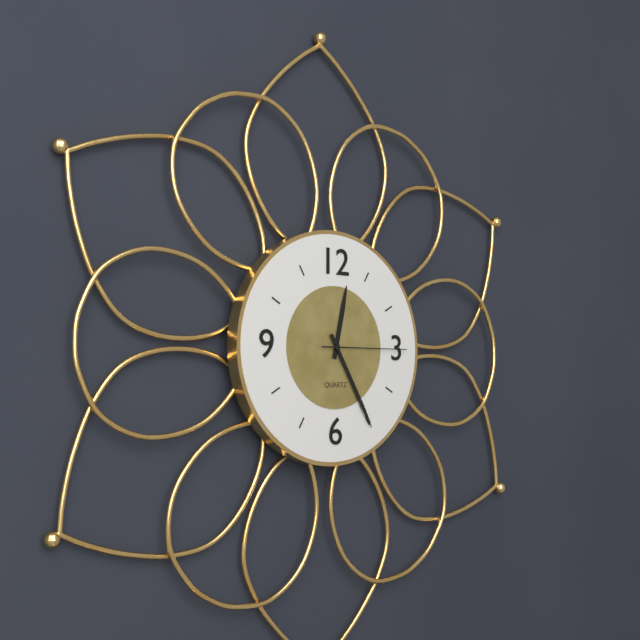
**12:25:15**
